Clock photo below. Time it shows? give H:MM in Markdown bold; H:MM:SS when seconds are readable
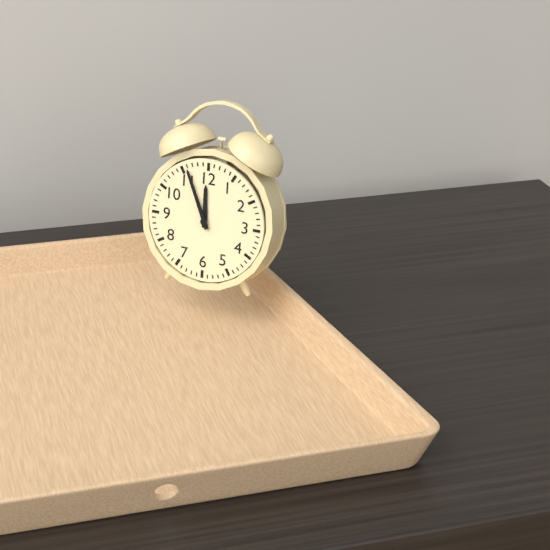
**11:56**
